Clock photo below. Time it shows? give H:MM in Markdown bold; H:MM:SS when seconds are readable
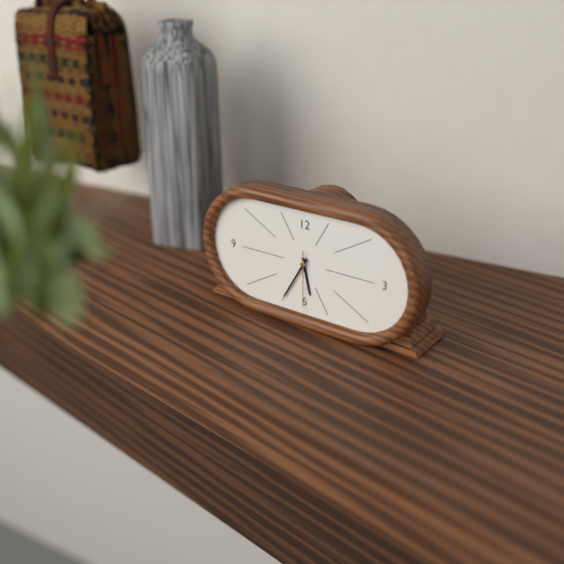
**5:35:30**
